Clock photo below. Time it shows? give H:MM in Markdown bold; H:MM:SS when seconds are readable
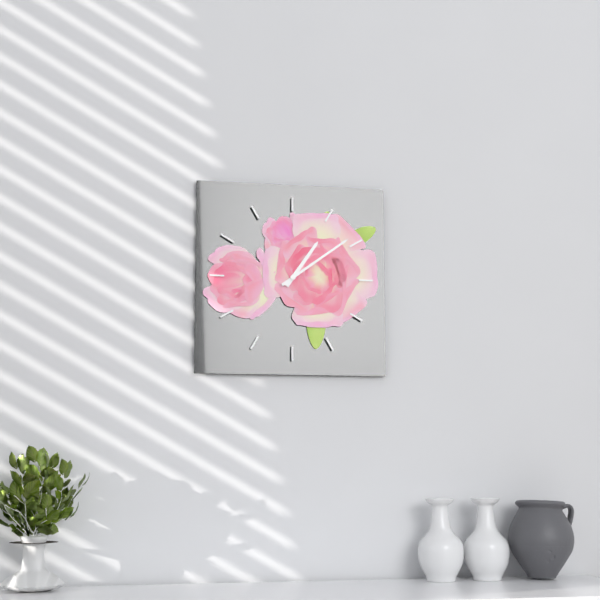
**1:09**
